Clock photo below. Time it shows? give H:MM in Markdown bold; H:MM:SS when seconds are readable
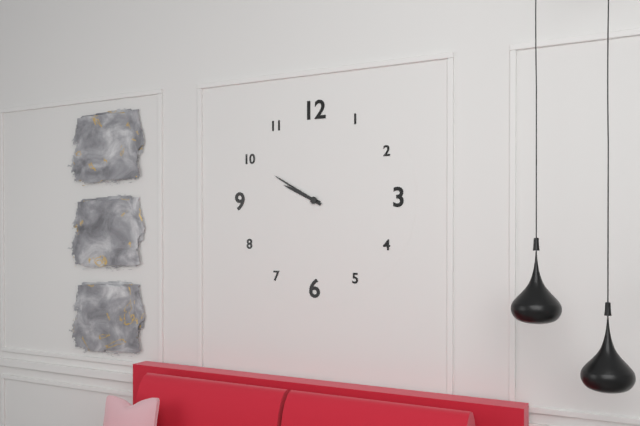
**9:50**
